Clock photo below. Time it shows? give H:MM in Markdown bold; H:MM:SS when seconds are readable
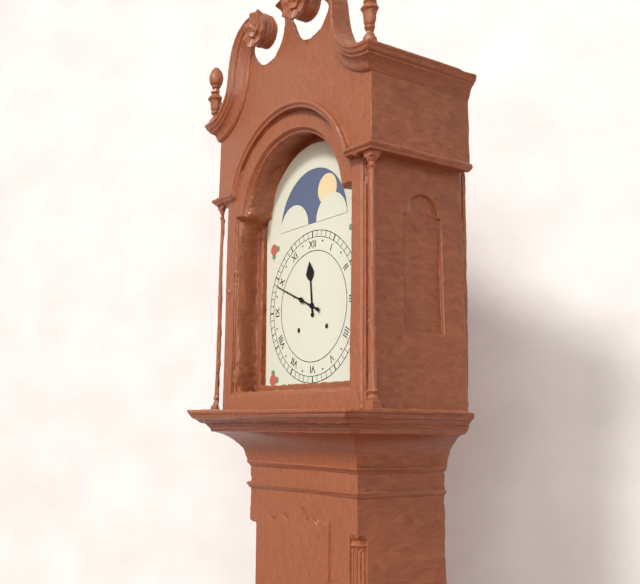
**11:49**
